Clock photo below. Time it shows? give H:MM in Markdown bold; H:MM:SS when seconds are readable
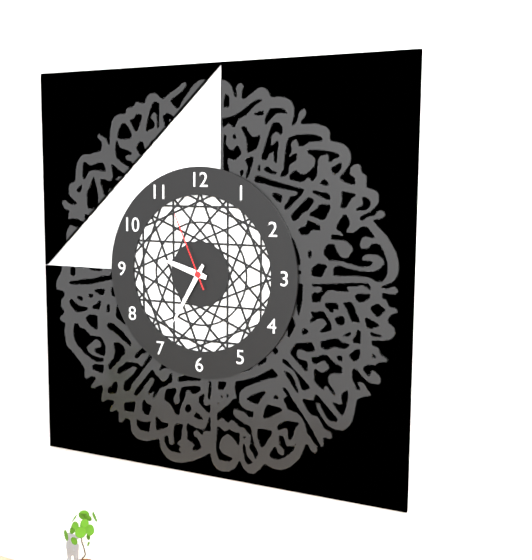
**9:35:56**
